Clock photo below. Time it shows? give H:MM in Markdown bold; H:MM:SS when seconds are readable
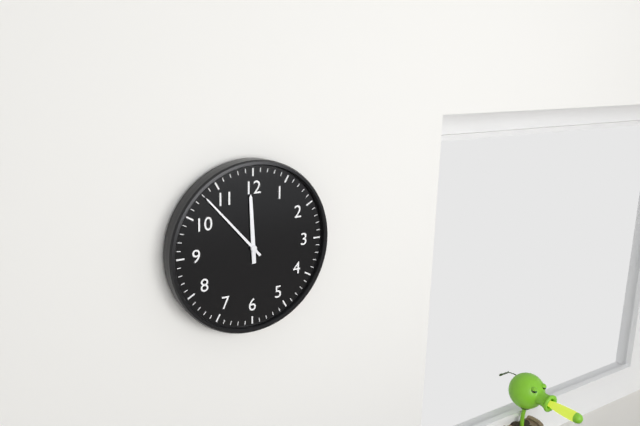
**11:53**
